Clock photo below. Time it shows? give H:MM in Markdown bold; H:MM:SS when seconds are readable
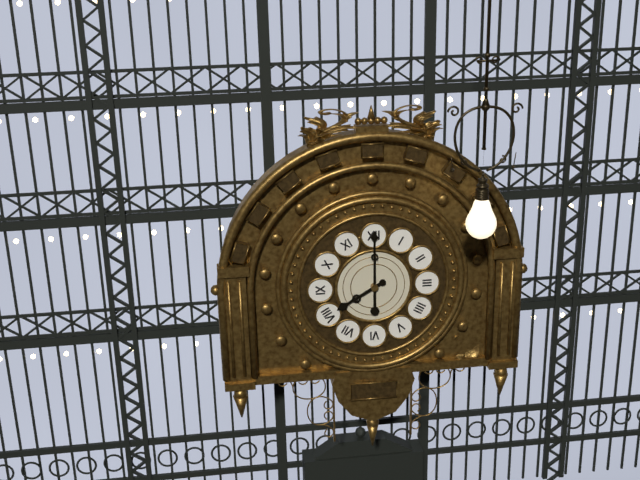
**8:00**
